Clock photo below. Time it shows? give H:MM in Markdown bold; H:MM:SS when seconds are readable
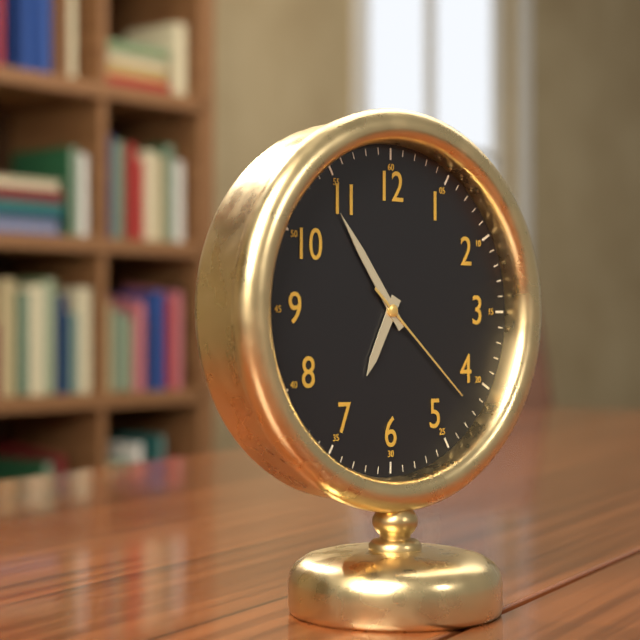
**6:54:22**
